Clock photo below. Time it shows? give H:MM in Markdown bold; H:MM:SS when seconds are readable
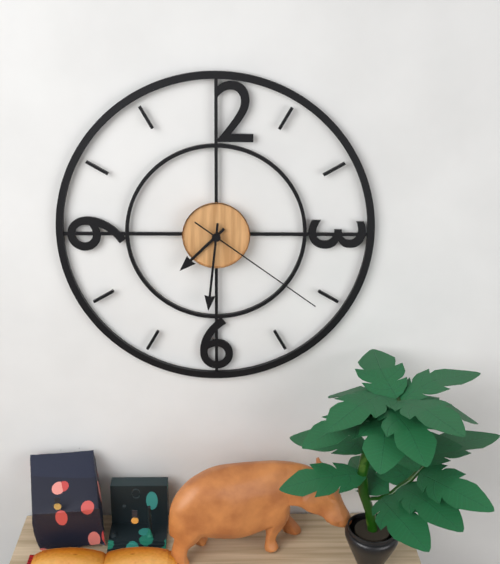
**7:31:21**
